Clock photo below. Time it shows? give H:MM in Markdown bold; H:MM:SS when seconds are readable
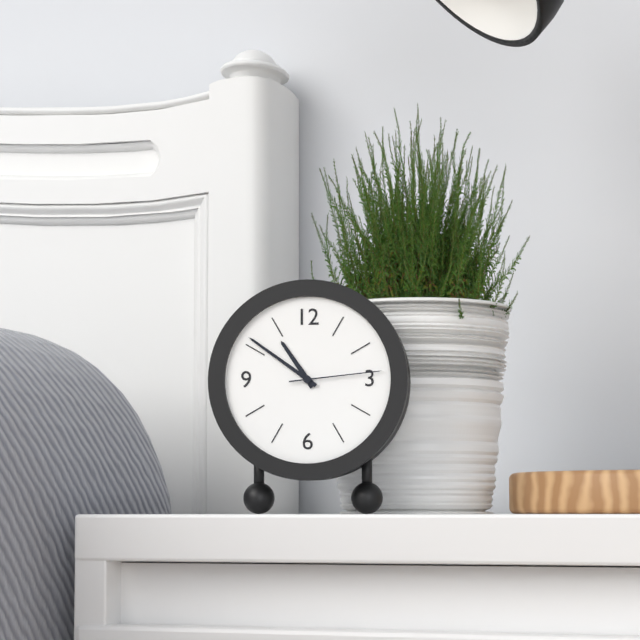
**10:51:14**
